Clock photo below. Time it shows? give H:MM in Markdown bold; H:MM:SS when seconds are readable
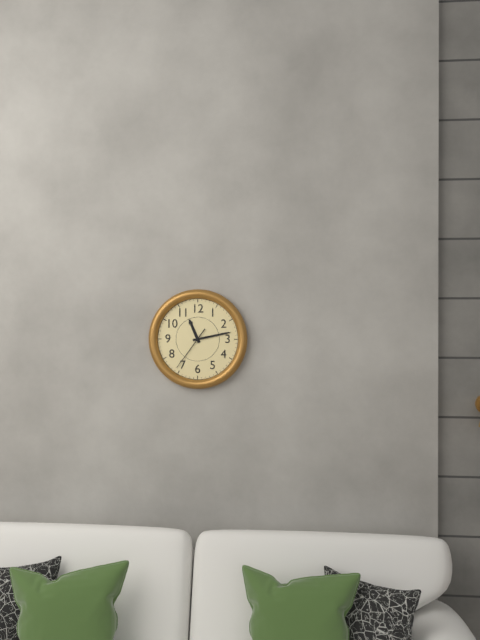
**11:13**
